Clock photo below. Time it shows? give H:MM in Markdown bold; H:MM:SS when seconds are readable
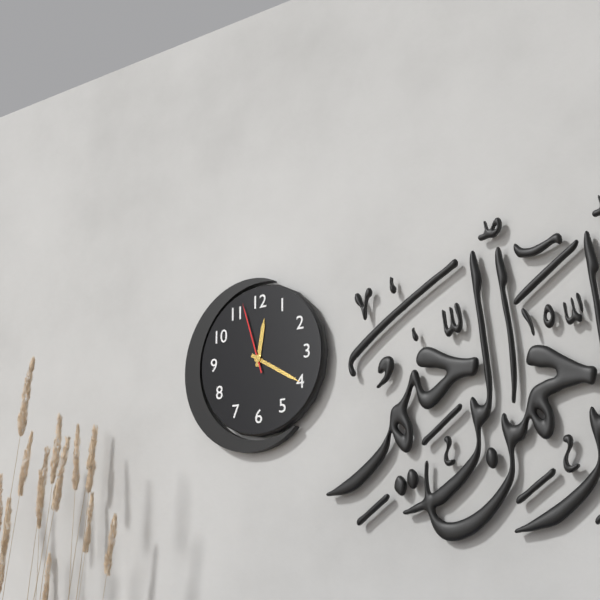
**12:20:57**
